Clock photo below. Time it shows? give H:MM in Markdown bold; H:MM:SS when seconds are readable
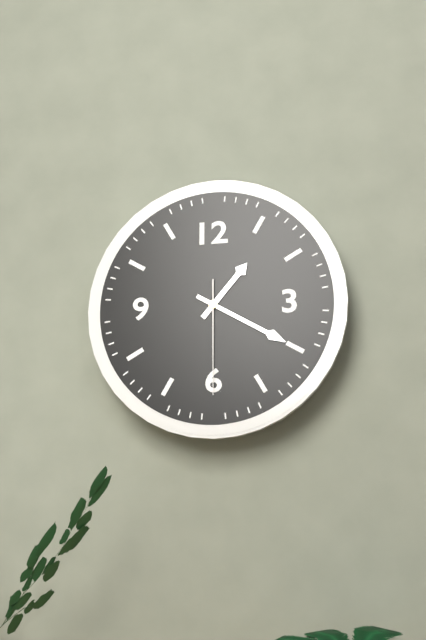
**1:20:30**
